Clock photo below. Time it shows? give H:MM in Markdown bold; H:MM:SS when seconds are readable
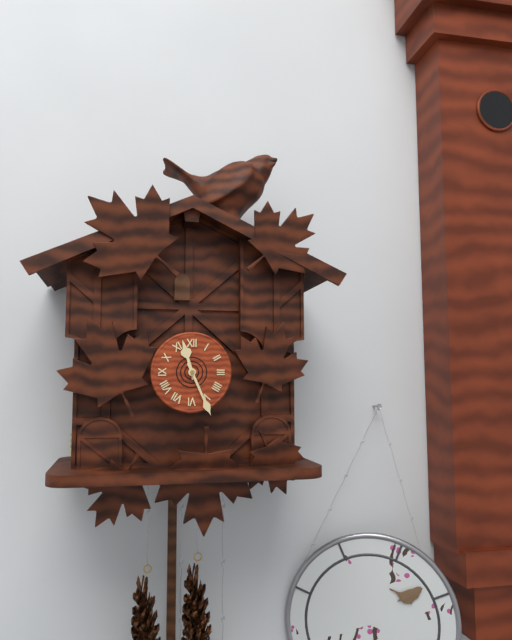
**11:26**
